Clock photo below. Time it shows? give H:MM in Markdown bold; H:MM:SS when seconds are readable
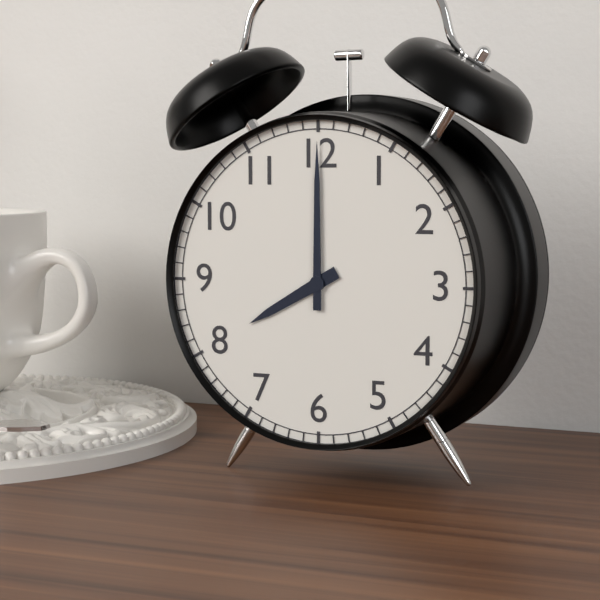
**8:00**
